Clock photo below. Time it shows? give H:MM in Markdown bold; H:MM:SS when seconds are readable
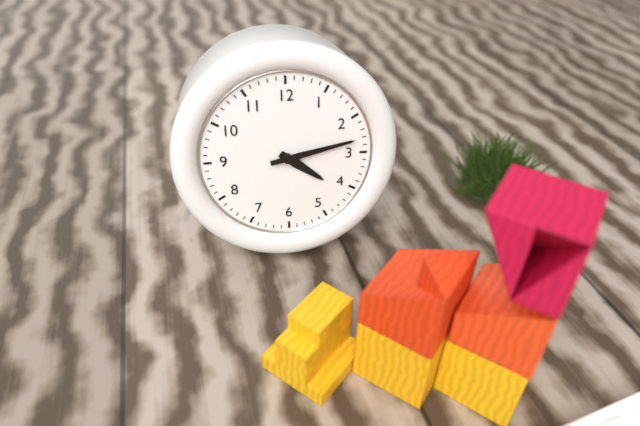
**4:13**
